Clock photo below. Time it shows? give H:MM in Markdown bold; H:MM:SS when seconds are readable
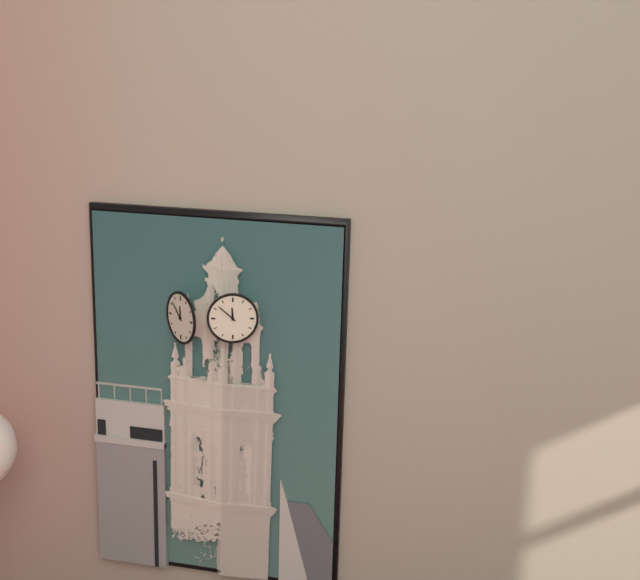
**11:52**
